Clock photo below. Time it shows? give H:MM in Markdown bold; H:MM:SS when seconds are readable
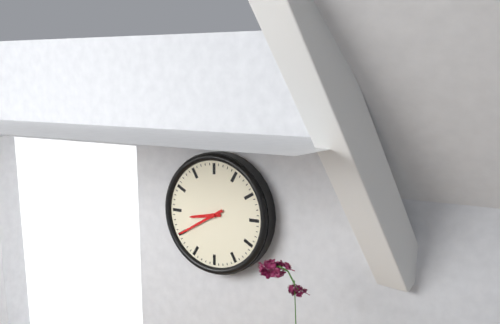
**8:40**
